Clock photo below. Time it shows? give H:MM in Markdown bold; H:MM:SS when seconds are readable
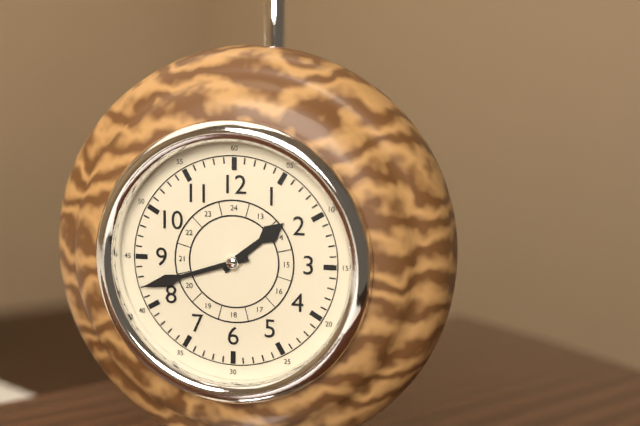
**1:42**
